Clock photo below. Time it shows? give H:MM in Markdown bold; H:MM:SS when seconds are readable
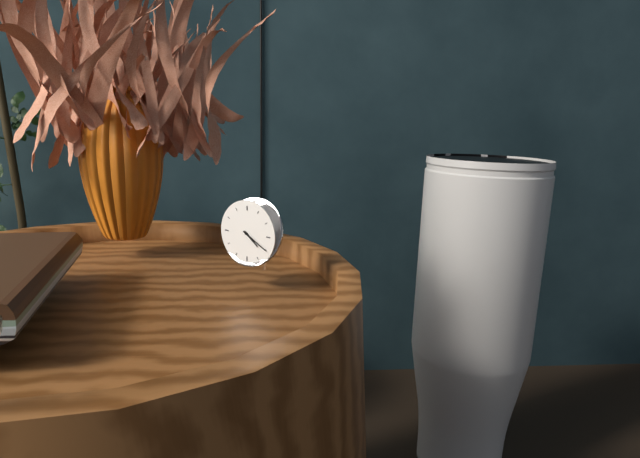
**4:20**
